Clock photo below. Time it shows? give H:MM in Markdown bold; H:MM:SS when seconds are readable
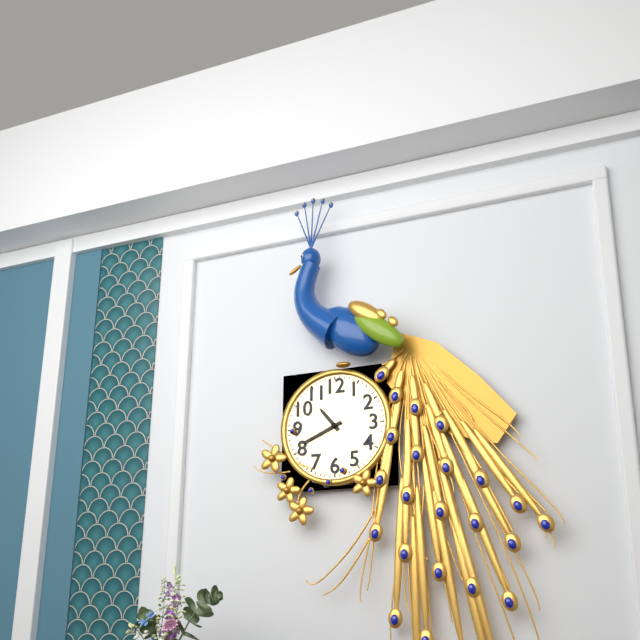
**10:41**
